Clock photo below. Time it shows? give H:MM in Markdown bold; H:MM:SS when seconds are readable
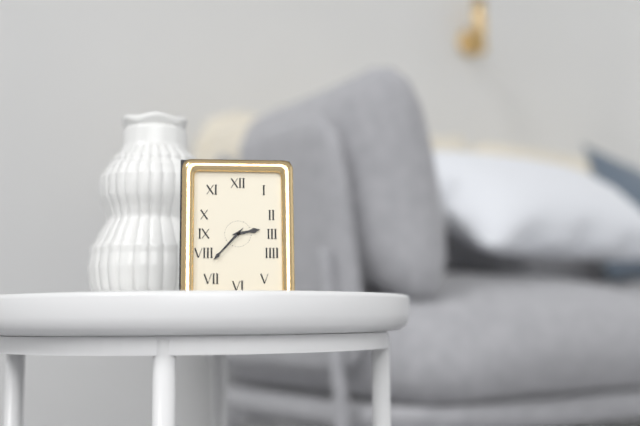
**2:37**
